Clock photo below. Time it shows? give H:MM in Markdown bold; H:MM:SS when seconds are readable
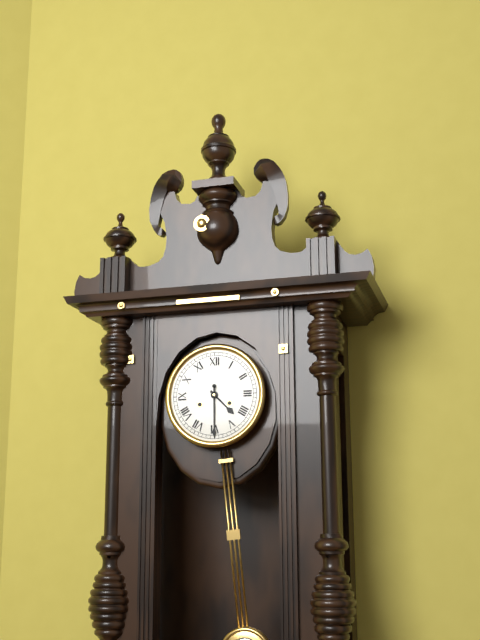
**4:30**
